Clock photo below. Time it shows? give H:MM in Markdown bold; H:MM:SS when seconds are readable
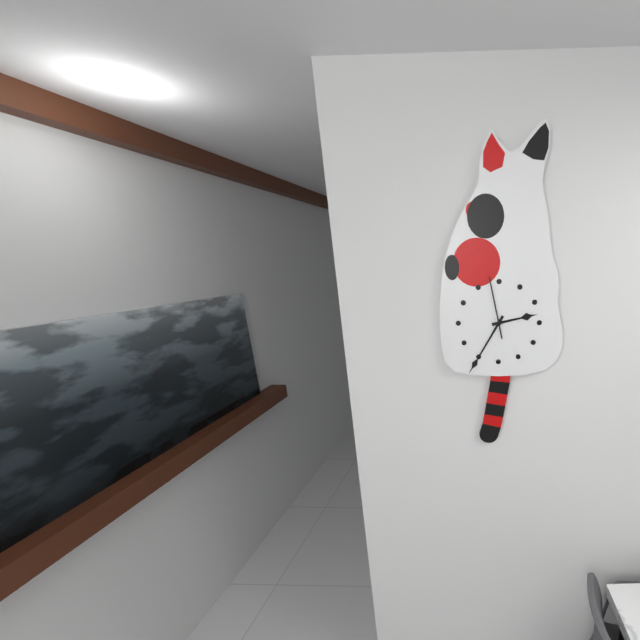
**2:35:58**
